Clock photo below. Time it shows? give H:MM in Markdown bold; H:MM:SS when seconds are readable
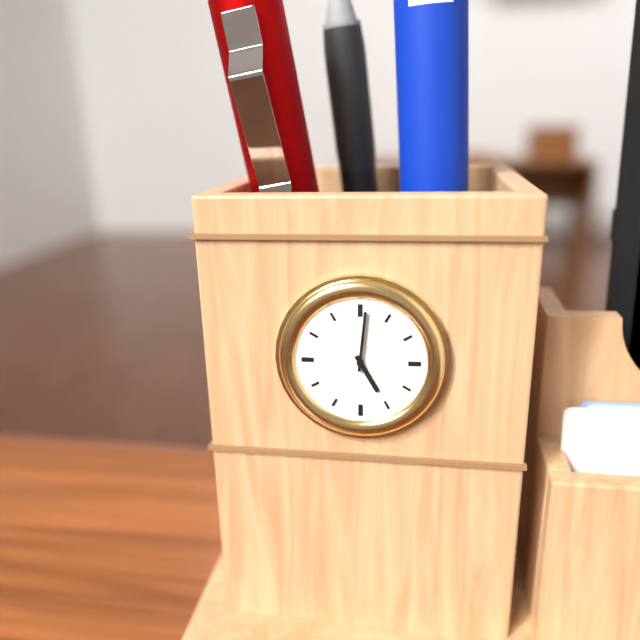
**5:01**
